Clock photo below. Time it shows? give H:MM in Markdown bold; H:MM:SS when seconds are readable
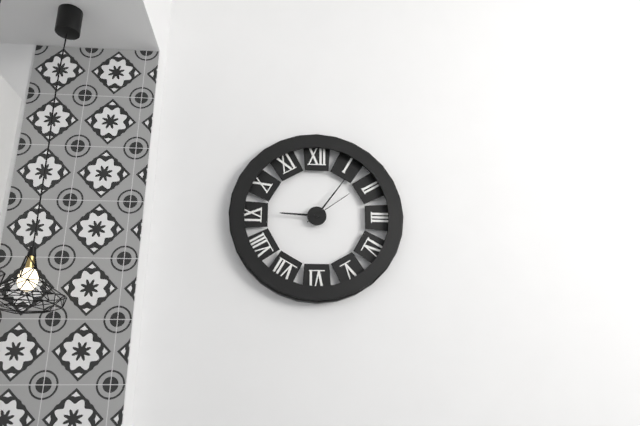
**9:06:09**
